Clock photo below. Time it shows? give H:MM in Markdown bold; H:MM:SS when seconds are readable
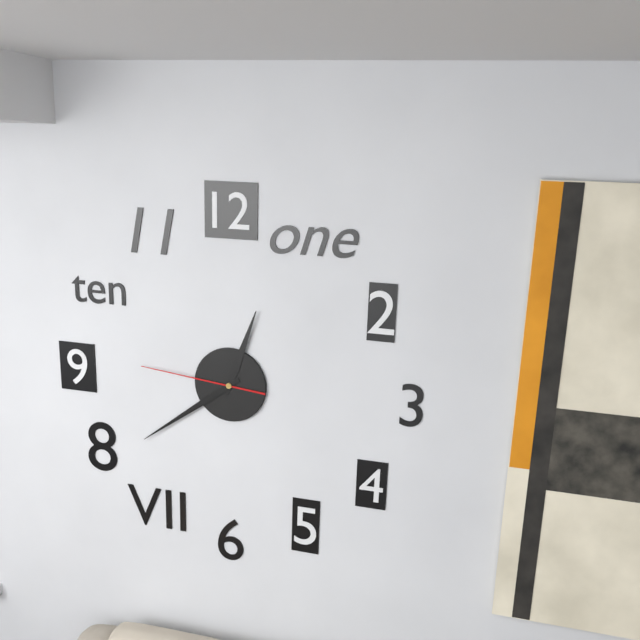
**12:39:46**
